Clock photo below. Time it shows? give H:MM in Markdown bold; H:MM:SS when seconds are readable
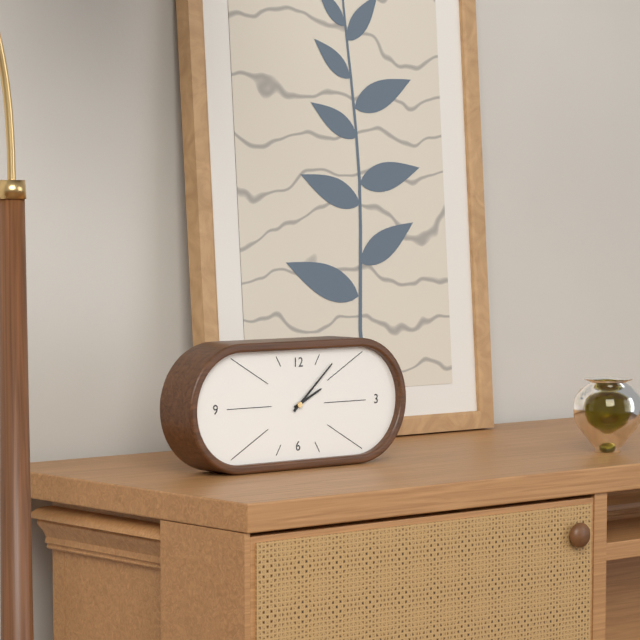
**2:08**
